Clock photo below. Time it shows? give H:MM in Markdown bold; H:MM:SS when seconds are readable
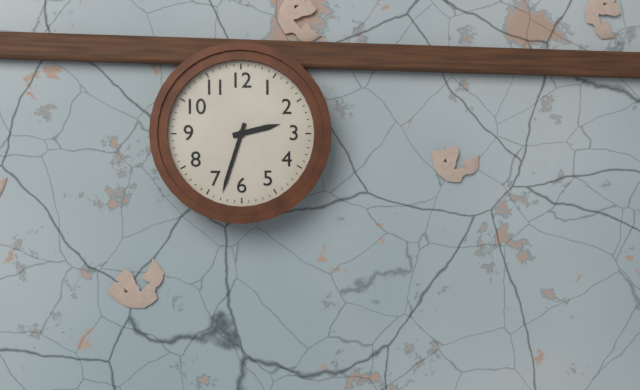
**2:33**
